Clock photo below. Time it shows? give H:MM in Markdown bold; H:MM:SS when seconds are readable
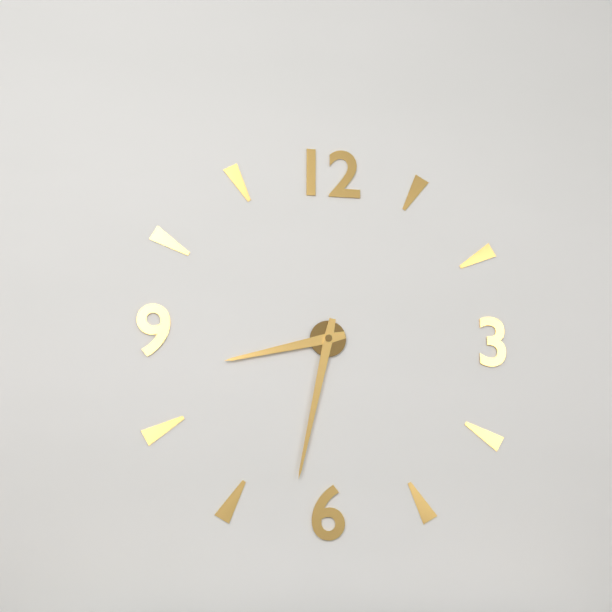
**8:32**
